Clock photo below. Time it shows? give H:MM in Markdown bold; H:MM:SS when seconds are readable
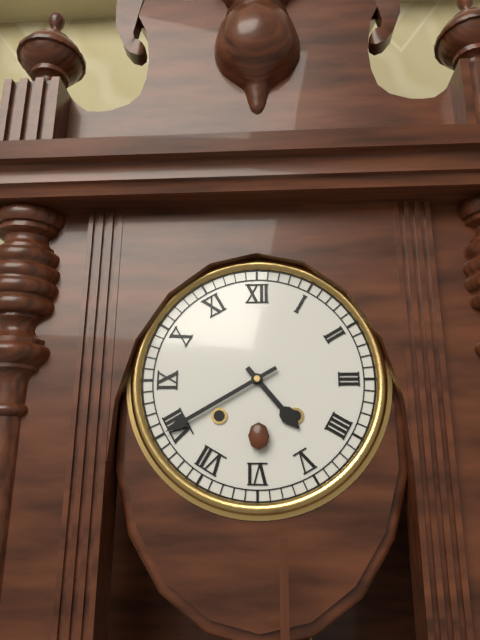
**4:40**
